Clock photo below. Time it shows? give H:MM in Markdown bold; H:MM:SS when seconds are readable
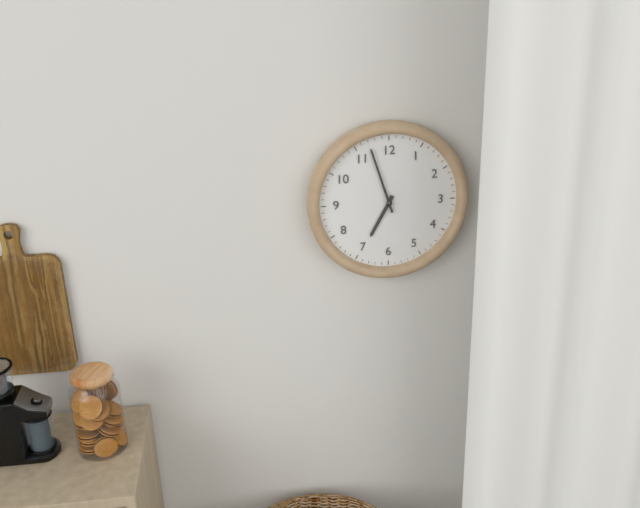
**6:57**
